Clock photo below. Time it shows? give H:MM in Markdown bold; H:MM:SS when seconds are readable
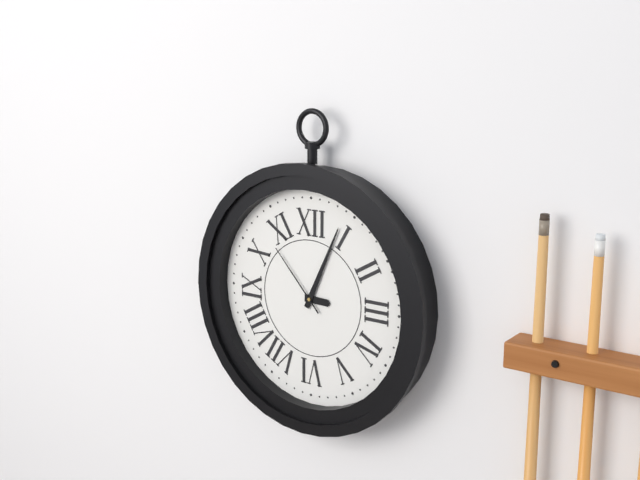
**3:04:53**
